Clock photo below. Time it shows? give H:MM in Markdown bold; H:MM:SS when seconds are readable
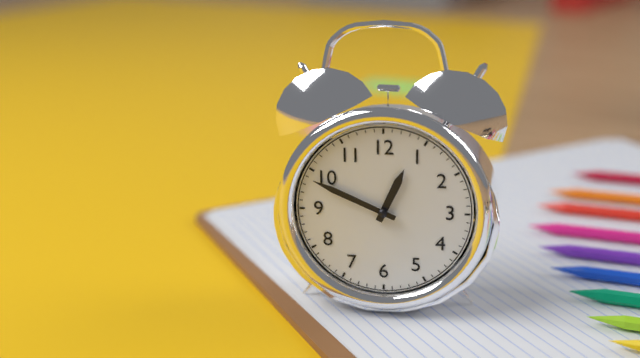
**12:49**
